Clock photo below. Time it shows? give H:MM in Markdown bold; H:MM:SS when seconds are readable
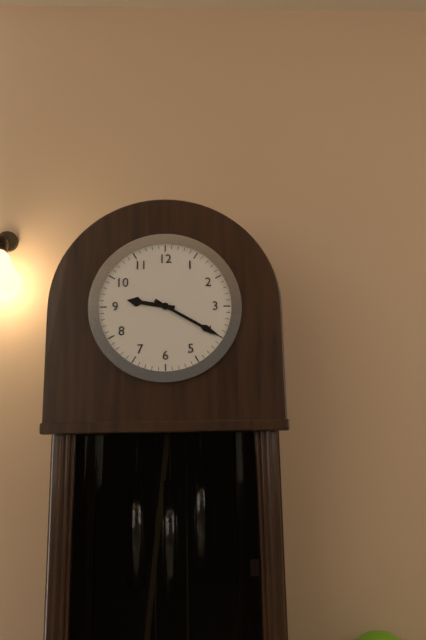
**9:20**
